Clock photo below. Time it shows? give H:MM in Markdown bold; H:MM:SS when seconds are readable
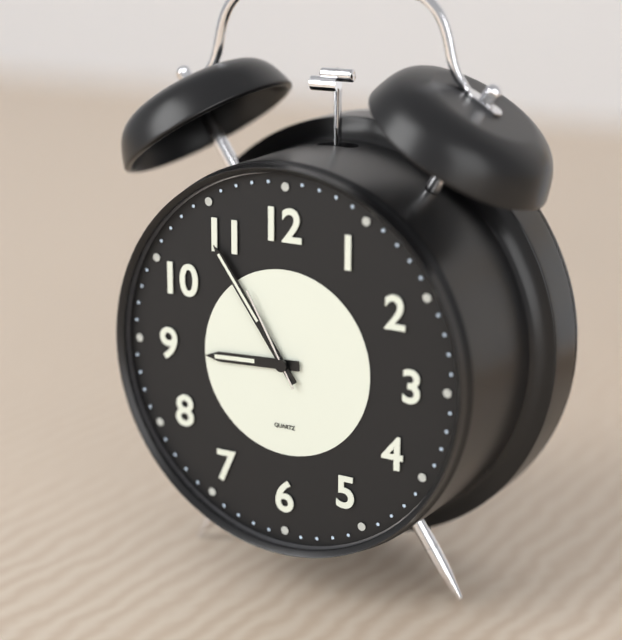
**8:54:55**
